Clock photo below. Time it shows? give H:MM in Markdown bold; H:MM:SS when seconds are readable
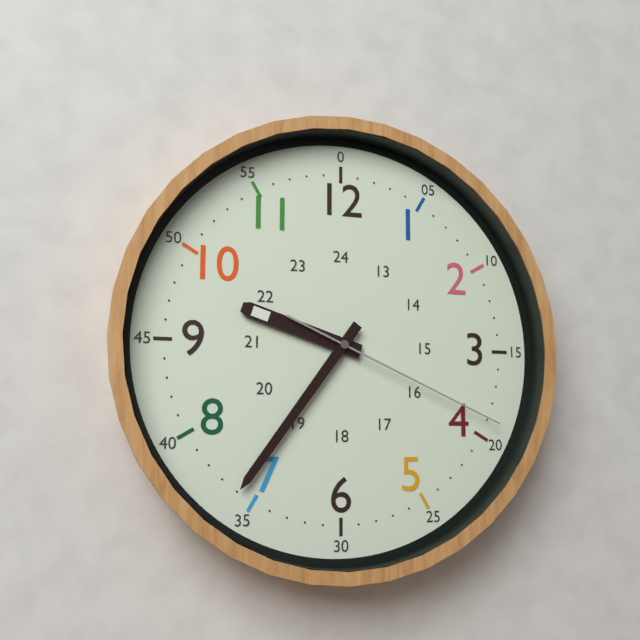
**9:36:19**
